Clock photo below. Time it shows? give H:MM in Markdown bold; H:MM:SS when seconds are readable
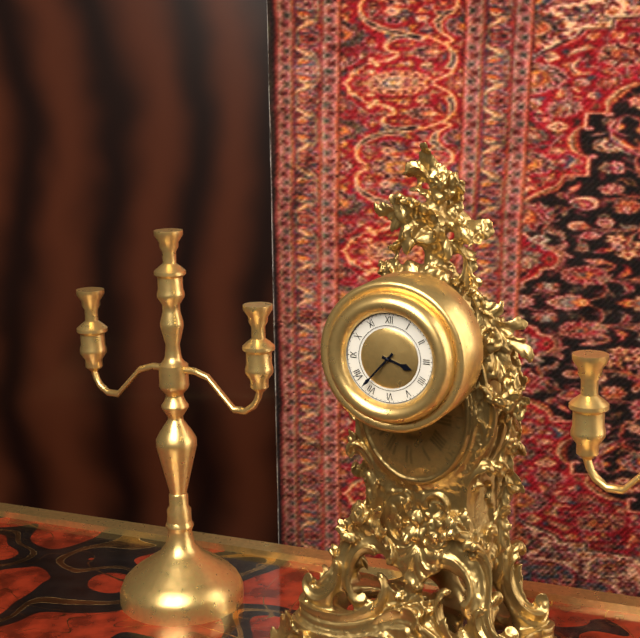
**3:37**
